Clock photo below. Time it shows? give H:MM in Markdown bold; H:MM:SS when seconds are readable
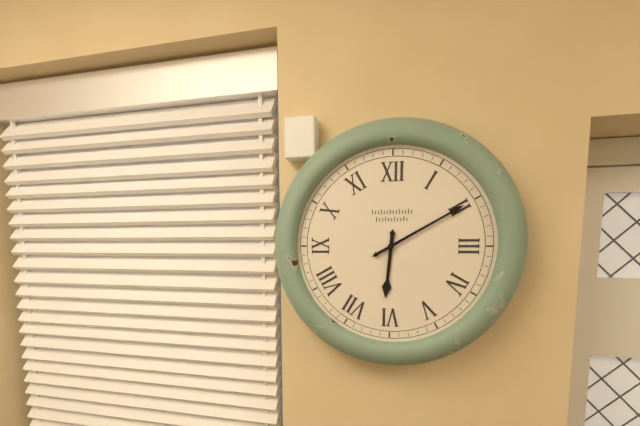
**6:10**
